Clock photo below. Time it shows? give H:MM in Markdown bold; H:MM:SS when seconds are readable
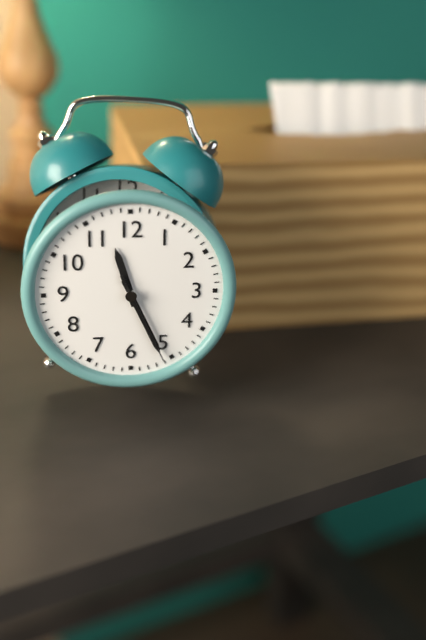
**11:26:26**
